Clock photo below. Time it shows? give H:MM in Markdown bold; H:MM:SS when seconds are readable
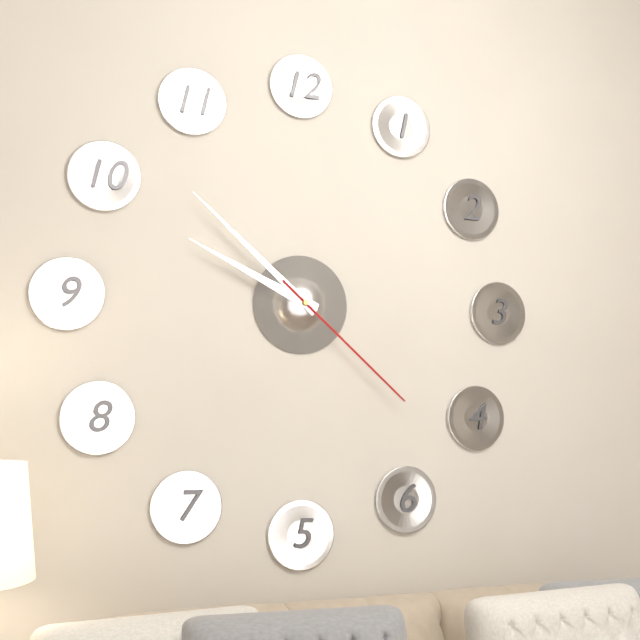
**9:52:22**
